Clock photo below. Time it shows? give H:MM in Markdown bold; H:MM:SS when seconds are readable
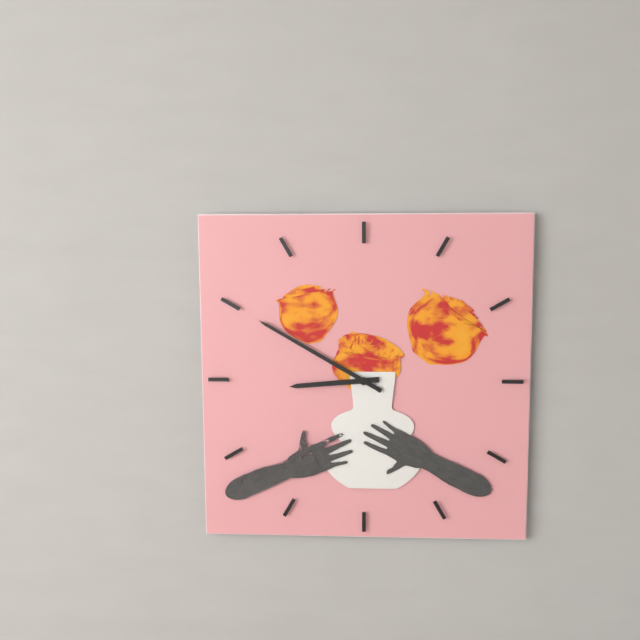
**8:50**
